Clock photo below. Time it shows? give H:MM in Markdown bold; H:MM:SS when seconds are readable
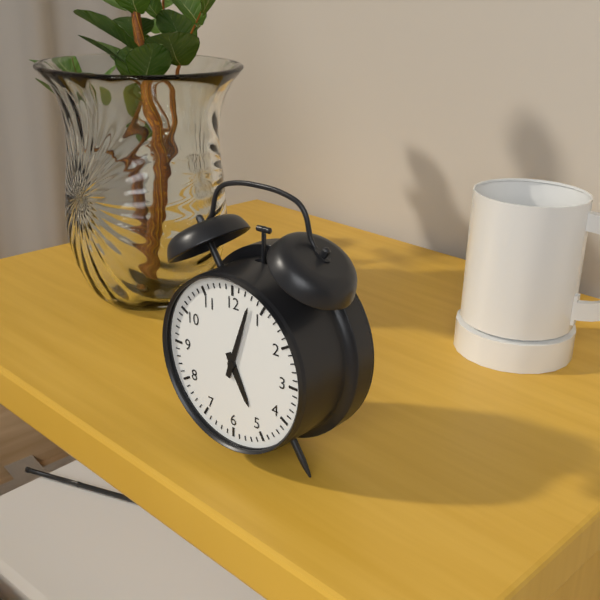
**5:03**
